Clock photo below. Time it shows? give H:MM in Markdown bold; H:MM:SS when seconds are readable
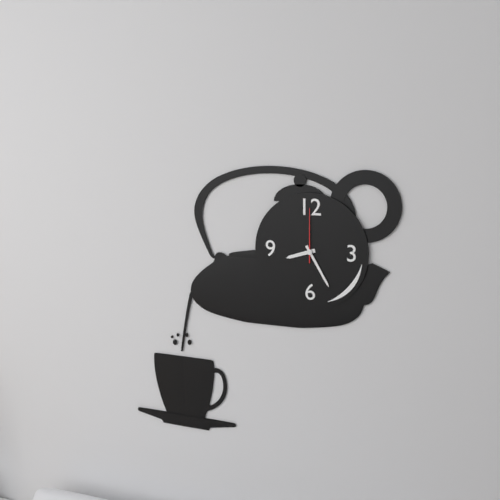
**8:25:00**
